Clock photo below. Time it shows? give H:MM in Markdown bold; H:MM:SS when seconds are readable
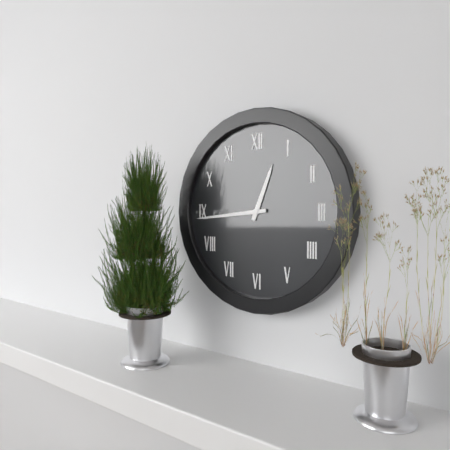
**12:44**
